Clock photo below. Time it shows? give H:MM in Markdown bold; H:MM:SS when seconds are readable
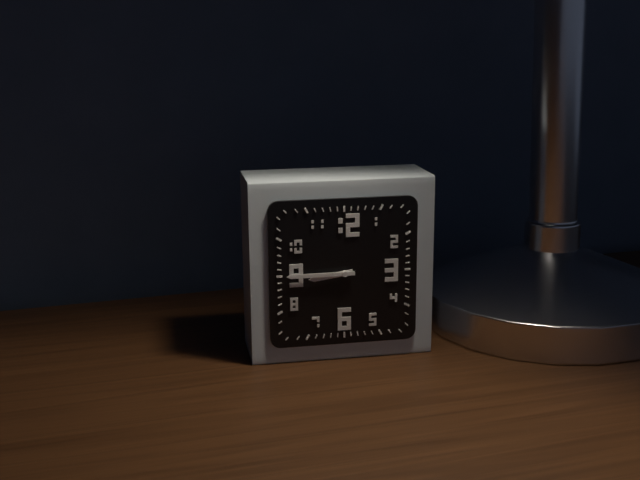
**8:45**
